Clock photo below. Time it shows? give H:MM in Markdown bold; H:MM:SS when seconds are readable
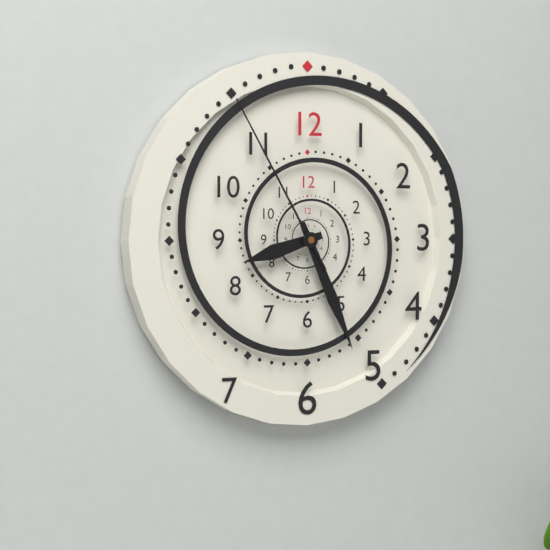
**8:26:55**
